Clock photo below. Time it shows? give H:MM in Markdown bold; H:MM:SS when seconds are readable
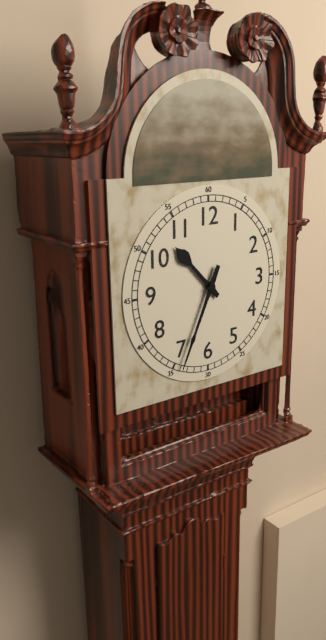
**10:34**
